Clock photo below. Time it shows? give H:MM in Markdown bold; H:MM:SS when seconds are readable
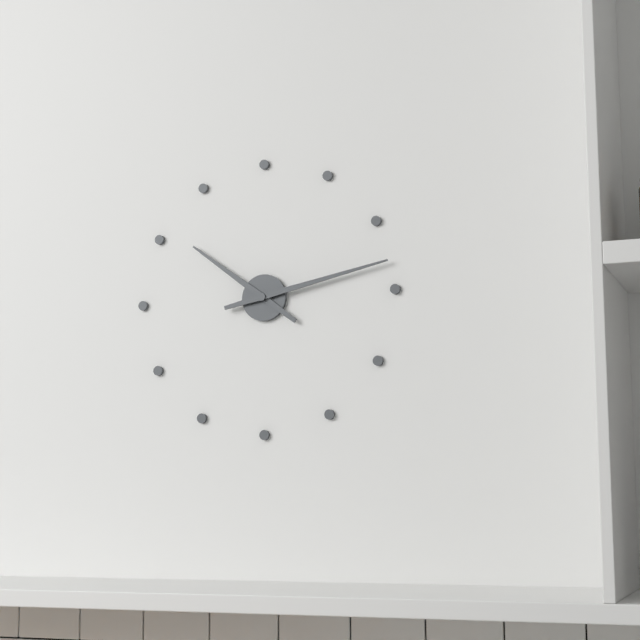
**10:13**
